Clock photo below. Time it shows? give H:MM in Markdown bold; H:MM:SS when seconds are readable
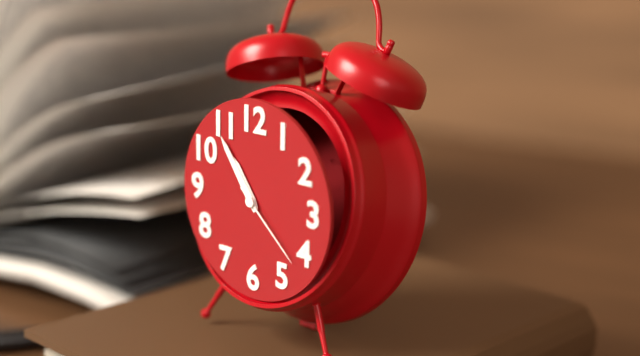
**10:54:22**
